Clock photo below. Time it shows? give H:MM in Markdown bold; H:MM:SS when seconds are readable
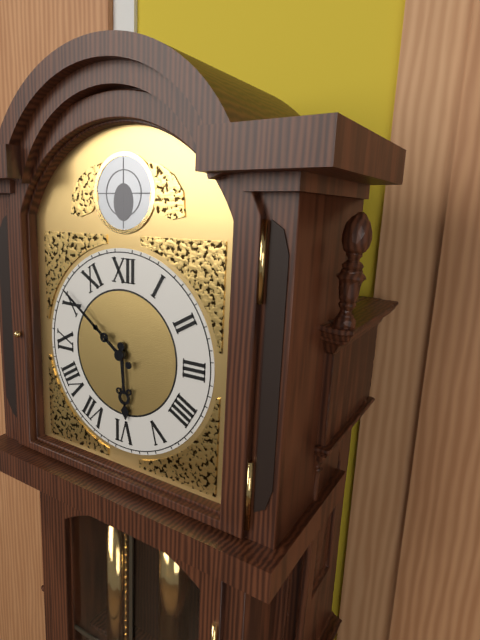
**5:51**
